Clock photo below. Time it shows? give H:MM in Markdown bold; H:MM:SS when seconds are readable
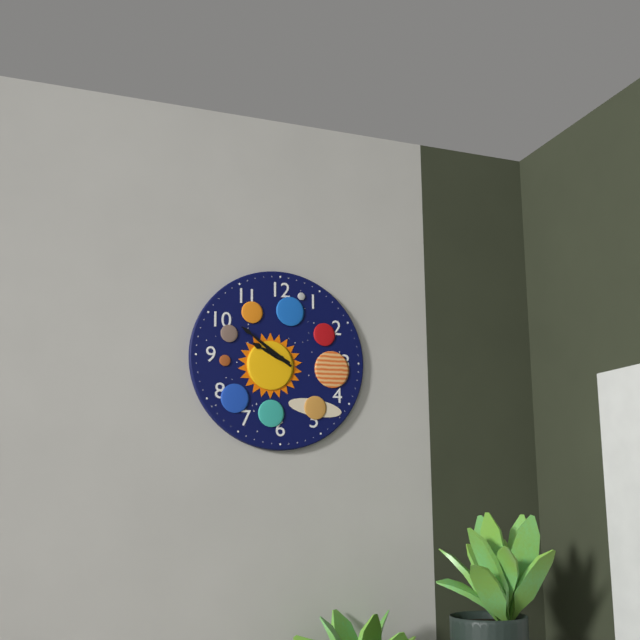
**9:51**
